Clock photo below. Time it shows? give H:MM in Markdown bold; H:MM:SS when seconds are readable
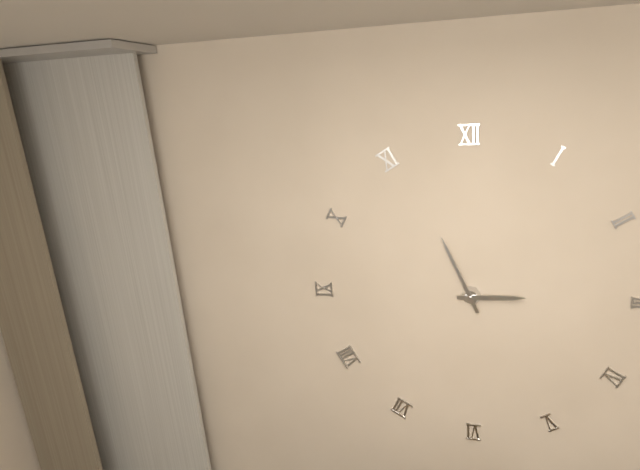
**2:56**
